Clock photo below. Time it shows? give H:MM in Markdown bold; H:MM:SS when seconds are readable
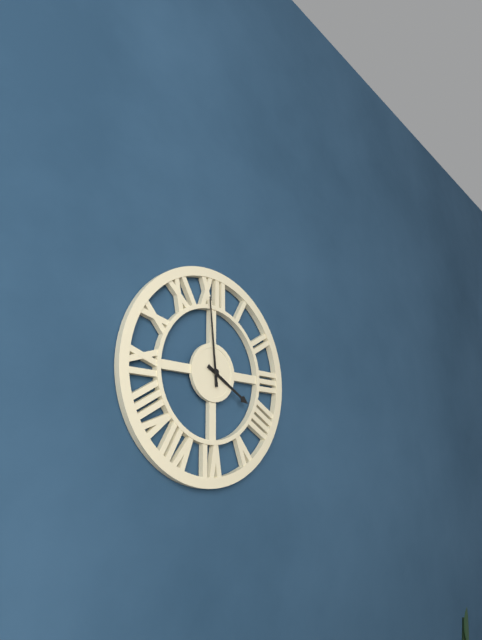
**3:59**
